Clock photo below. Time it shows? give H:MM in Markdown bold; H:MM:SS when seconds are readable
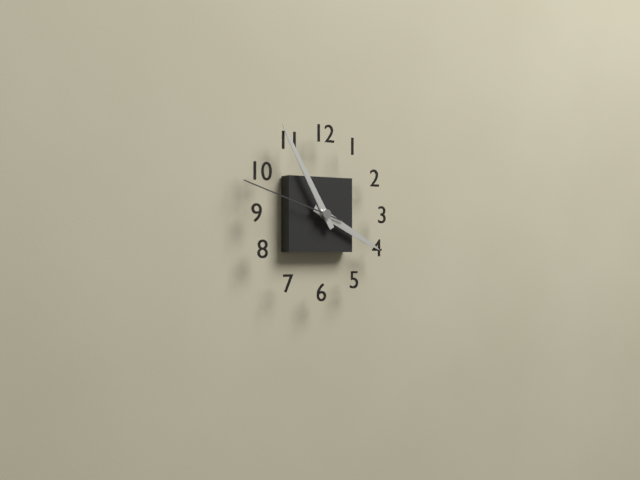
**3:55:48**
